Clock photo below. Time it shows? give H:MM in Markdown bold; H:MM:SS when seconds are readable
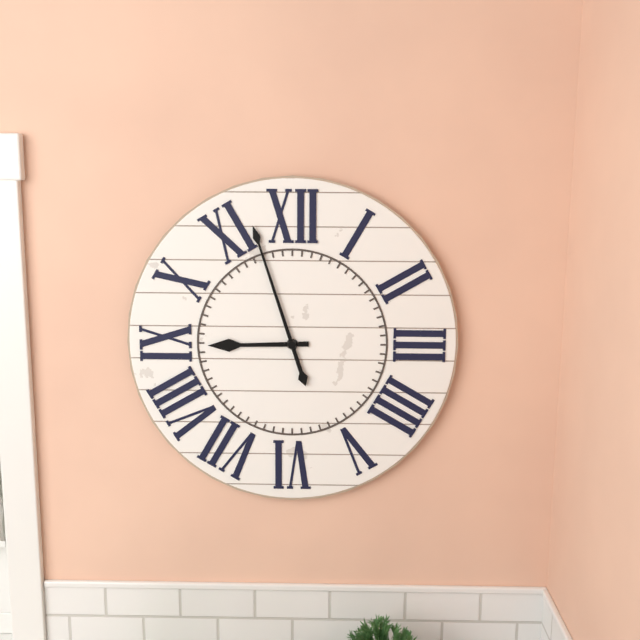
**8:57**
